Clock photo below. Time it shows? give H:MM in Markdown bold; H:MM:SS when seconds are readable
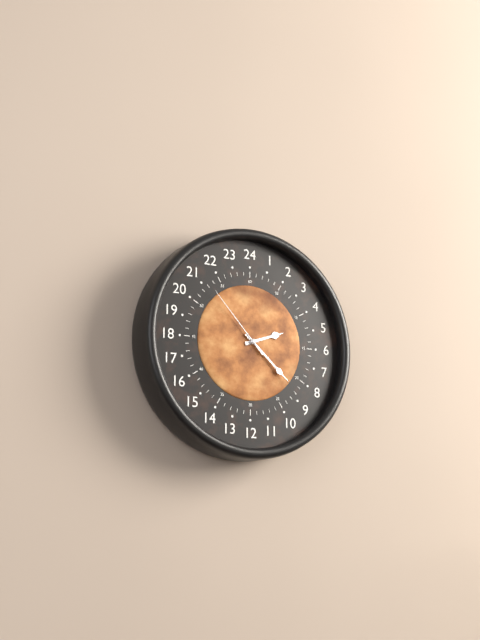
**2:22:53**
